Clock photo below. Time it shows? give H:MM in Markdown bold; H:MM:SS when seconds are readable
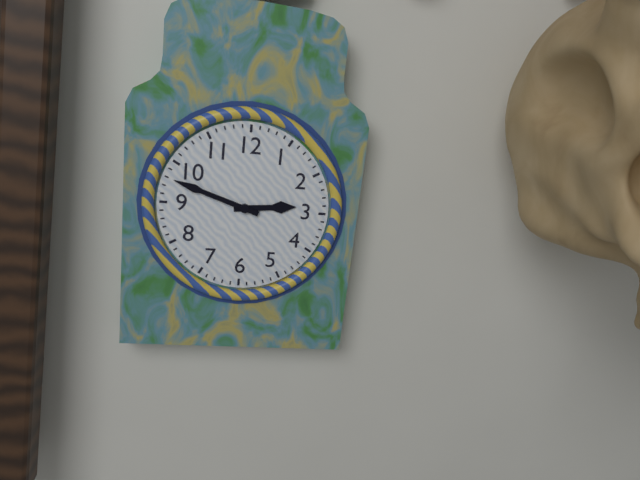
**2:48**
